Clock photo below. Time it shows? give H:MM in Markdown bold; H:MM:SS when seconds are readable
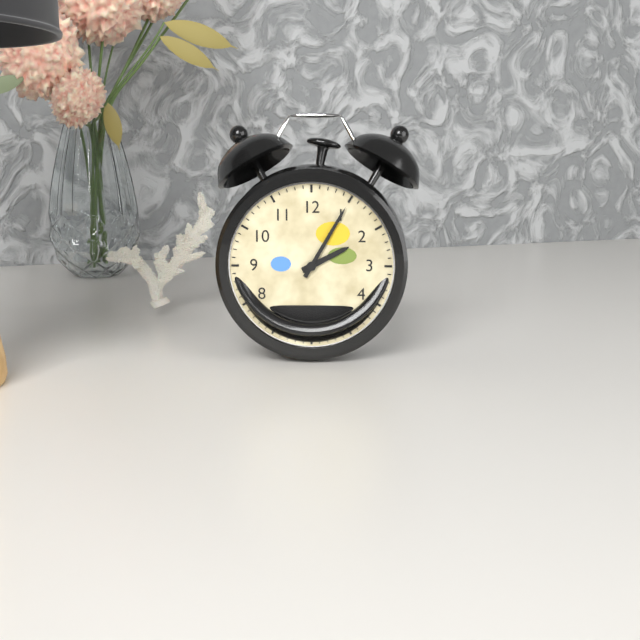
**2:05**
